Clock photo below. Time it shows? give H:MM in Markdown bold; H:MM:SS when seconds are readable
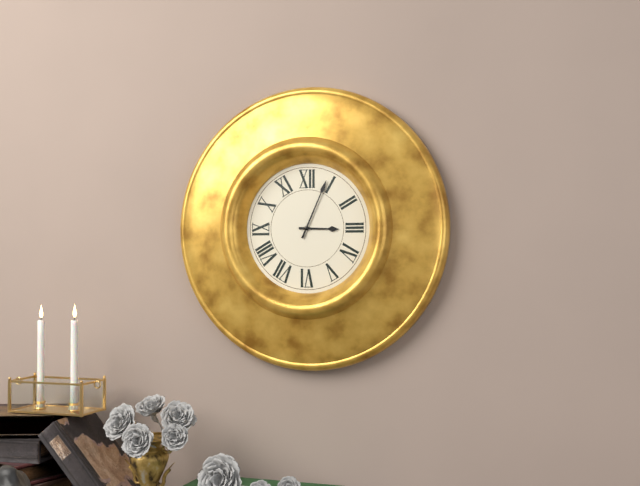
**3:04**
